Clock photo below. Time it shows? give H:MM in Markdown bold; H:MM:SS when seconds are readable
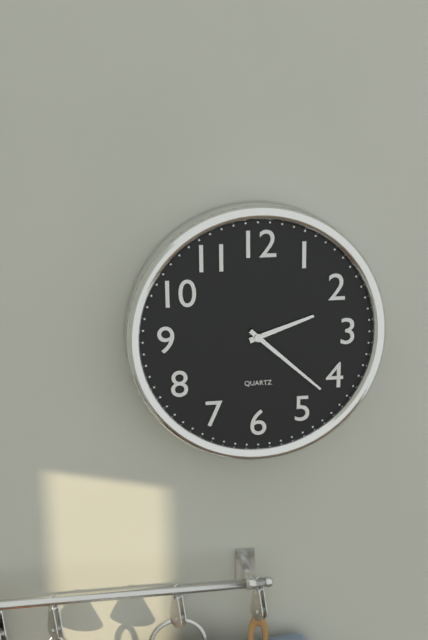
**2:22**
